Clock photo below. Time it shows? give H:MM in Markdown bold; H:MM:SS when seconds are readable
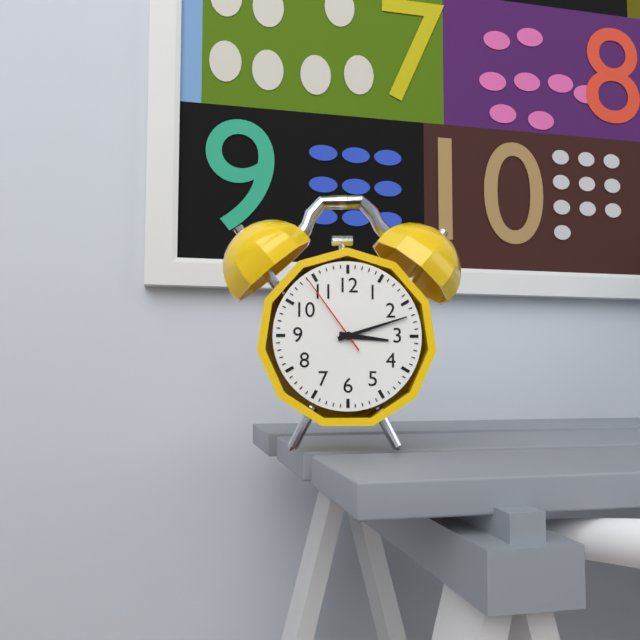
**3:12:54**
